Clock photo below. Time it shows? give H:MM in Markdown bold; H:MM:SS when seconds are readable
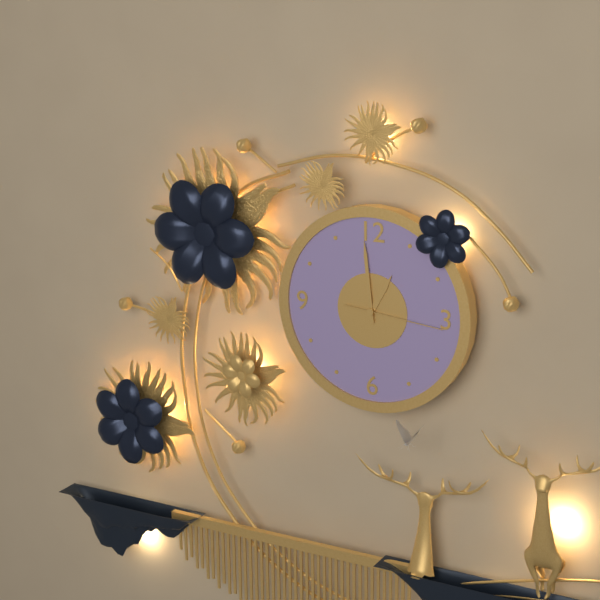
**12:59:16**
